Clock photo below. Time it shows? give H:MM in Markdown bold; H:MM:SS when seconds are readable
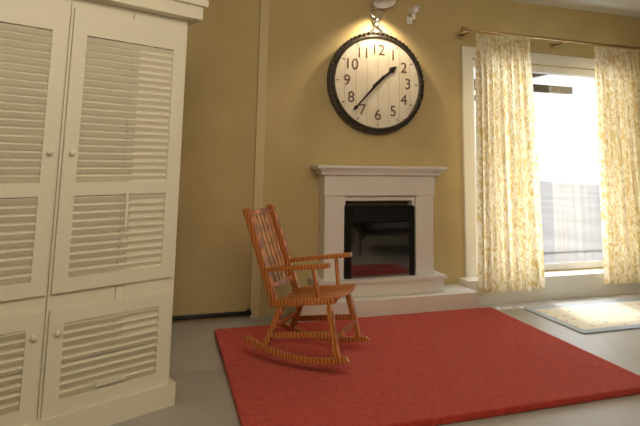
**1:37**
